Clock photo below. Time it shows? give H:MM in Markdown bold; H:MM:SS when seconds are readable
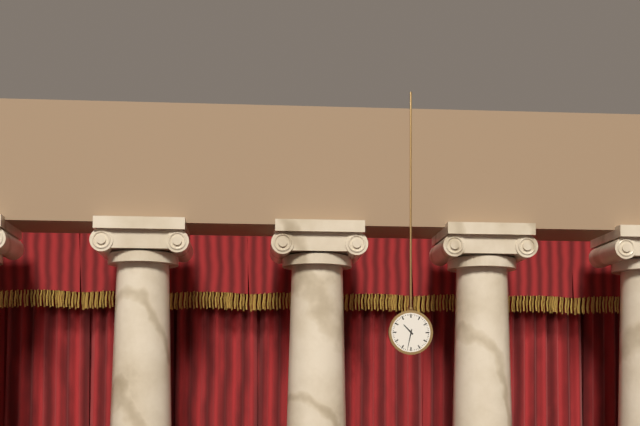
**10:32**
